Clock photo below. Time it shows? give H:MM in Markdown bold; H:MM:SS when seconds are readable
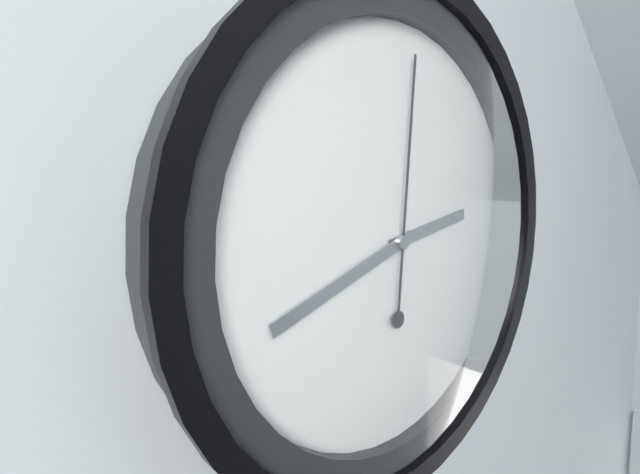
**2:42:01**
